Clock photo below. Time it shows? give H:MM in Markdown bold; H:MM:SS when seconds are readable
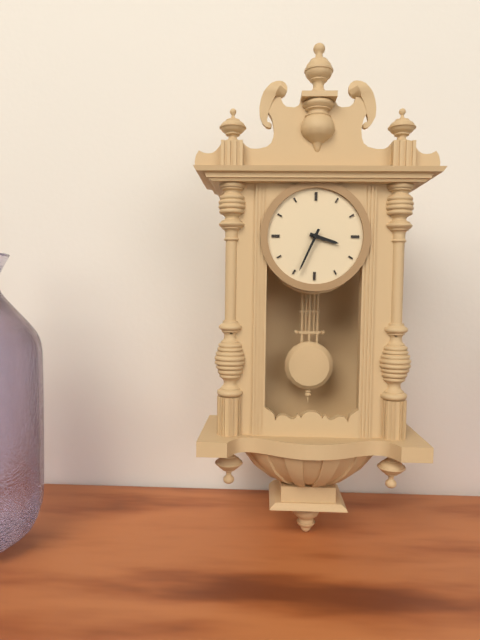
**3:34**
